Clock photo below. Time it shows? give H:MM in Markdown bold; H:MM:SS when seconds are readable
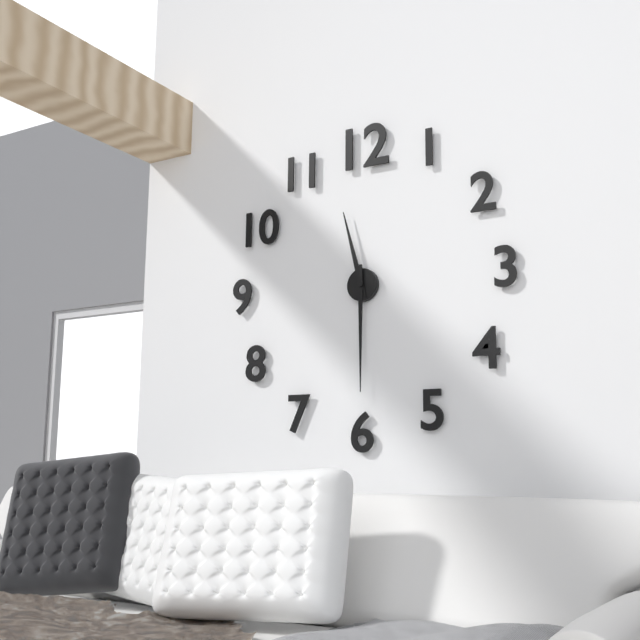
**11:30**
